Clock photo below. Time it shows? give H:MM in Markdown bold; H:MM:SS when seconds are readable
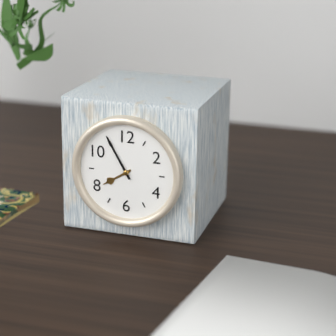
**7:55**
